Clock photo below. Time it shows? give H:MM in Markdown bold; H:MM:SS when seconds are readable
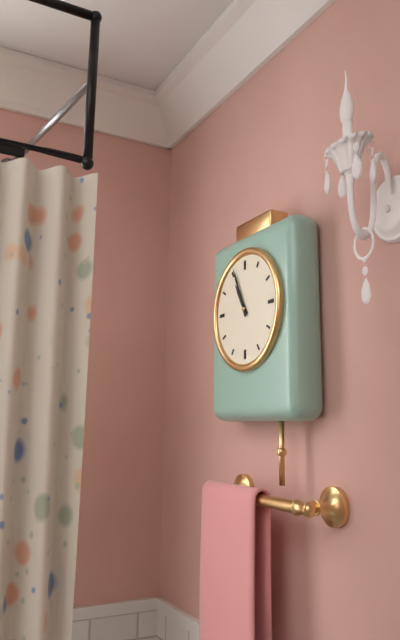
**10:56**
